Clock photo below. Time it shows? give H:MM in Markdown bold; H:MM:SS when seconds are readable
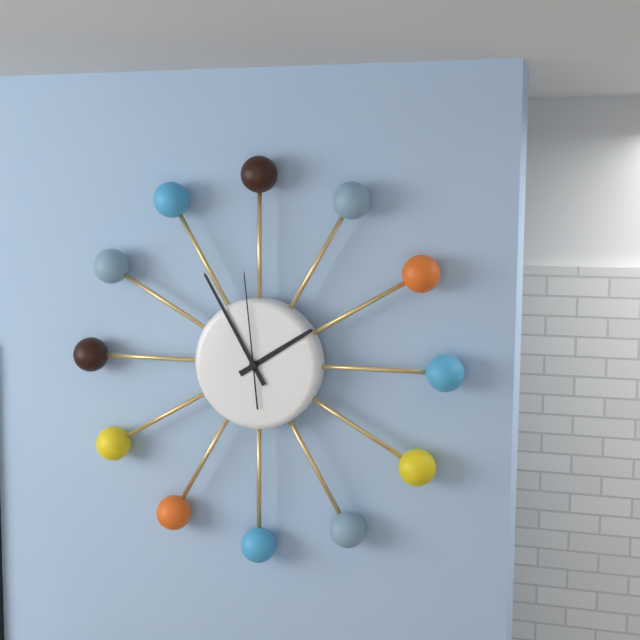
**1:55:59**
